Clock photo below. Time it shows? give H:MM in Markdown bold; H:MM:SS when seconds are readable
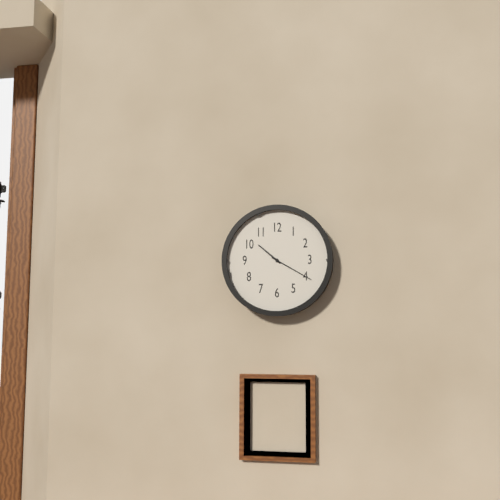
**10:20**
